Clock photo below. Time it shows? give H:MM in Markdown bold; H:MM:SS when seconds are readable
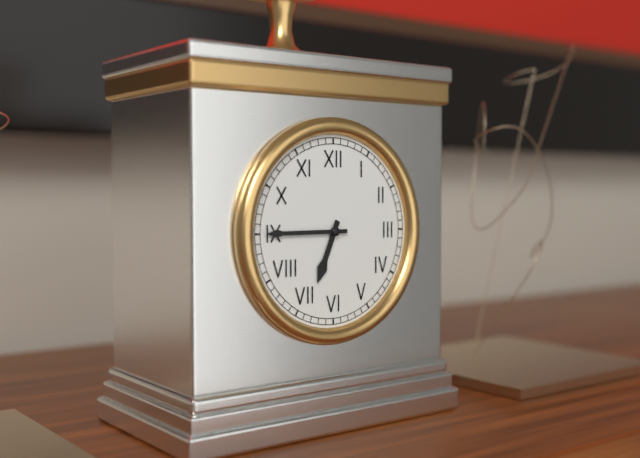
**6:45**
